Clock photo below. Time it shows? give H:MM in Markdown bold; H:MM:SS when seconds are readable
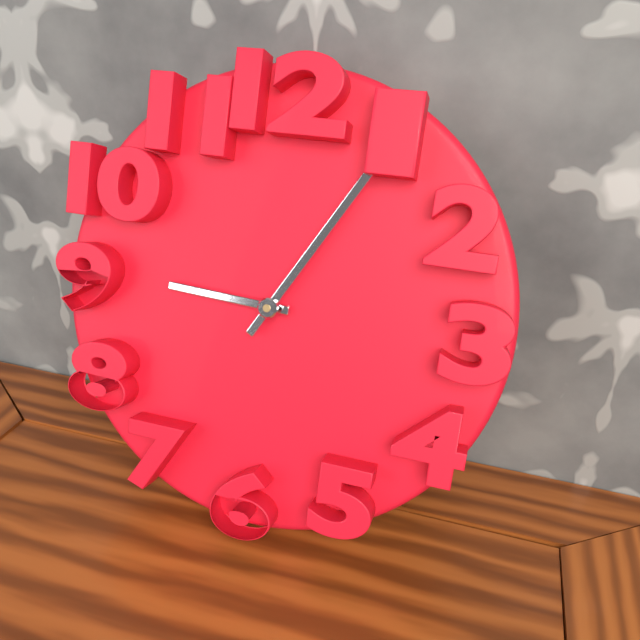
**9:05**
